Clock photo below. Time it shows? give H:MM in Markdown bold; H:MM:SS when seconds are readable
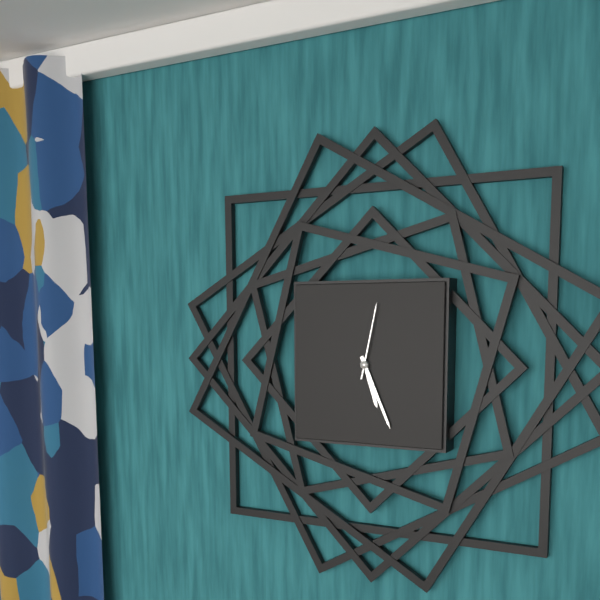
**5:26:02**
